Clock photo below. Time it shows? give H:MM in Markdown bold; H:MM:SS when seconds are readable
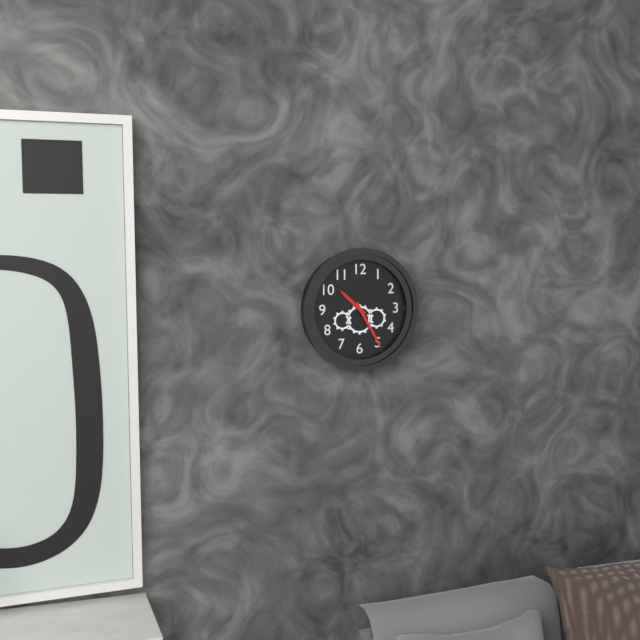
**10:25**
